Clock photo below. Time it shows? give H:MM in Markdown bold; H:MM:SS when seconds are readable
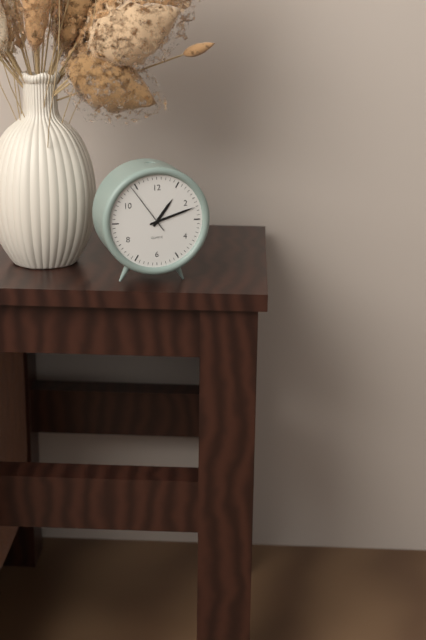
**1:12:54**
